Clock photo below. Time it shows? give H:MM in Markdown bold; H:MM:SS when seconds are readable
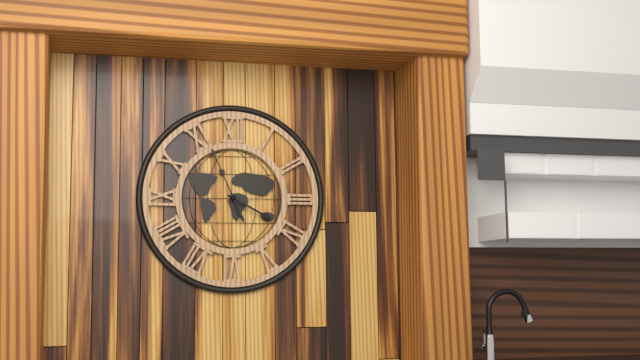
**3:56**
